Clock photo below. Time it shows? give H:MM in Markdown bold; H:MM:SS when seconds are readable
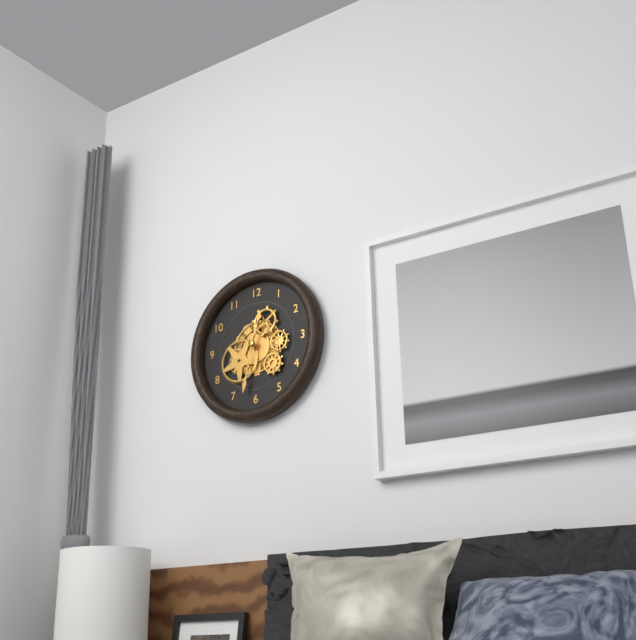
**12:32**
